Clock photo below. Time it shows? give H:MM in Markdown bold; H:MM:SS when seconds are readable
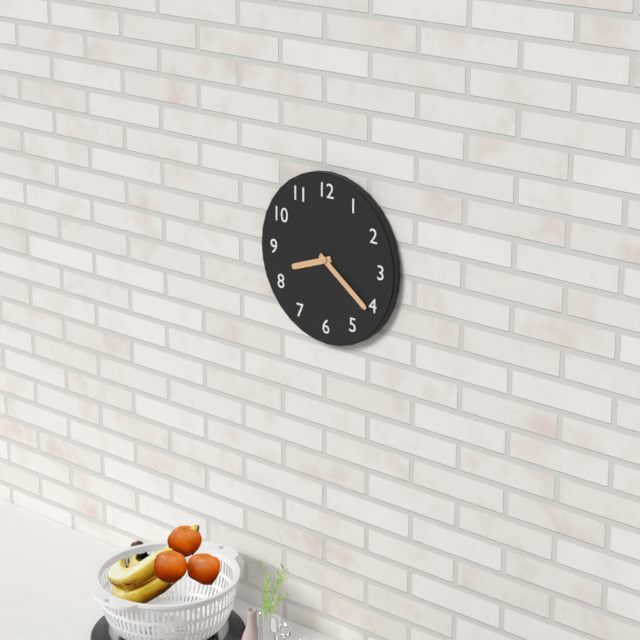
**8:21**
